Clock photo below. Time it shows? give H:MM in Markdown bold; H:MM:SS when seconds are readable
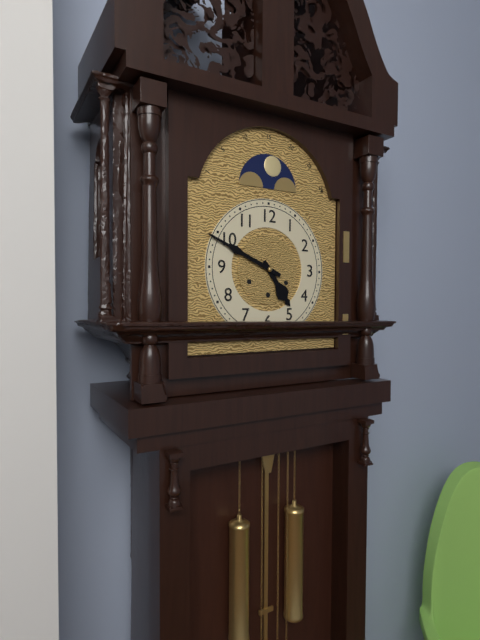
**4:49**
